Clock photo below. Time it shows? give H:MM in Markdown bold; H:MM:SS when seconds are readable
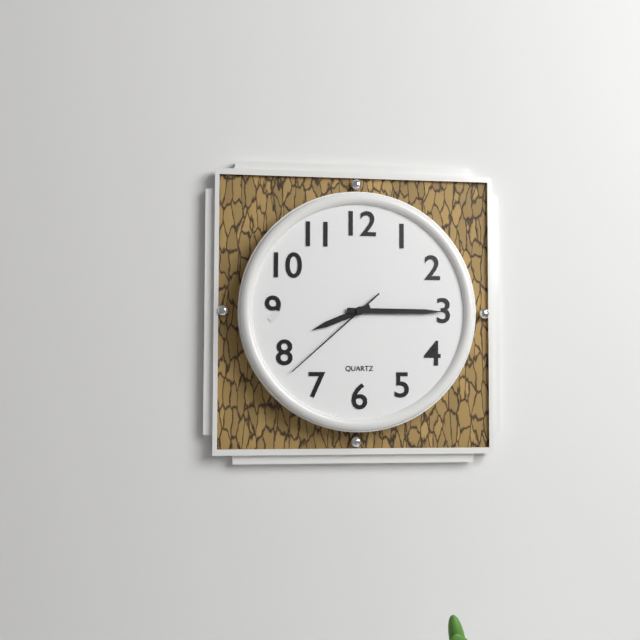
**8:15:38**
